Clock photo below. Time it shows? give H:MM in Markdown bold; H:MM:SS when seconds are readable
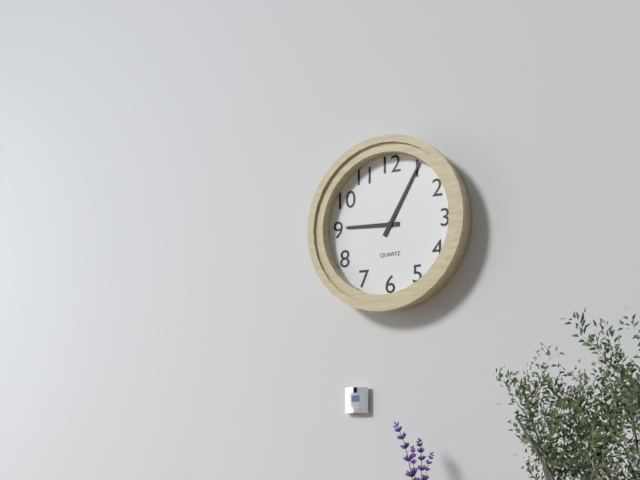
**9:05**
